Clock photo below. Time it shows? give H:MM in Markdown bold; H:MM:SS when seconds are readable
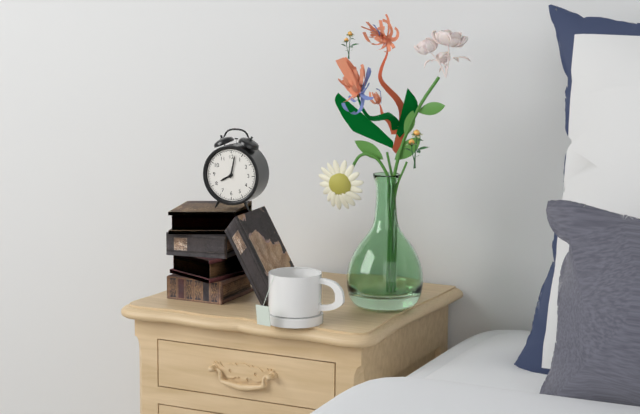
**8:02**
